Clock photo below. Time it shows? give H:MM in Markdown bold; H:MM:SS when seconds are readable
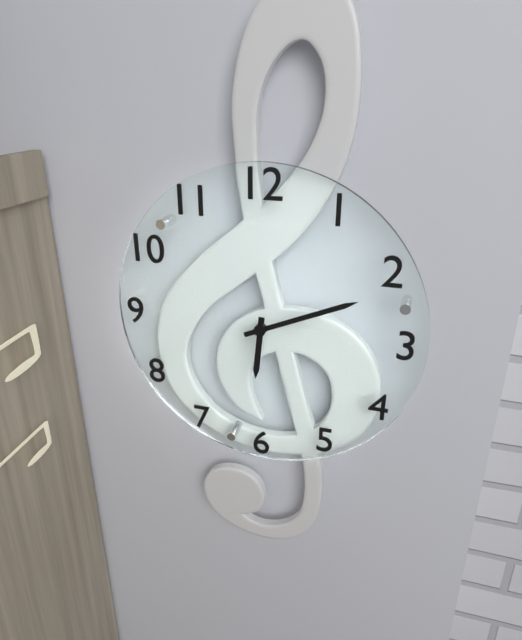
**6:11**
